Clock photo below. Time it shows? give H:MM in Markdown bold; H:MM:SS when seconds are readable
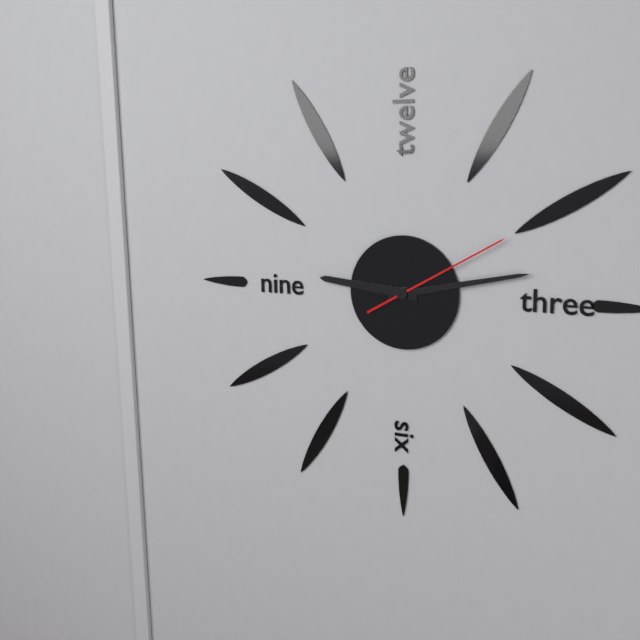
**9:13:10**
